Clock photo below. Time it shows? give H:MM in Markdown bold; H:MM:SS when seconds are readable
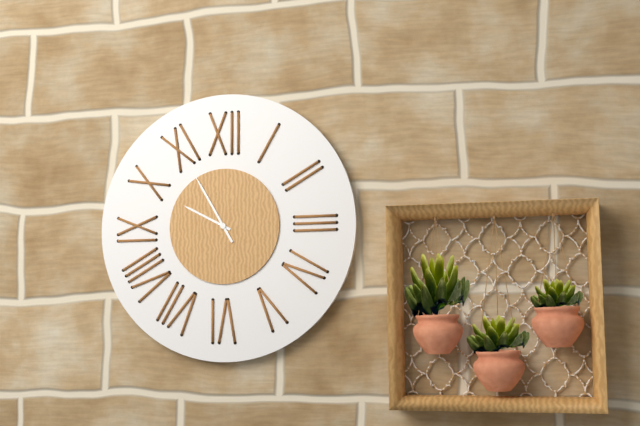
**9:55**
